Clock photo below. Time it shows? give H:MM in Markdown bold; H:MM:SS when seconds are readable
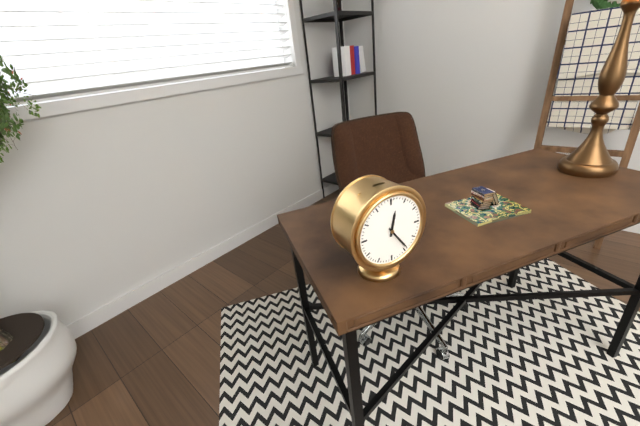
**12:24**
